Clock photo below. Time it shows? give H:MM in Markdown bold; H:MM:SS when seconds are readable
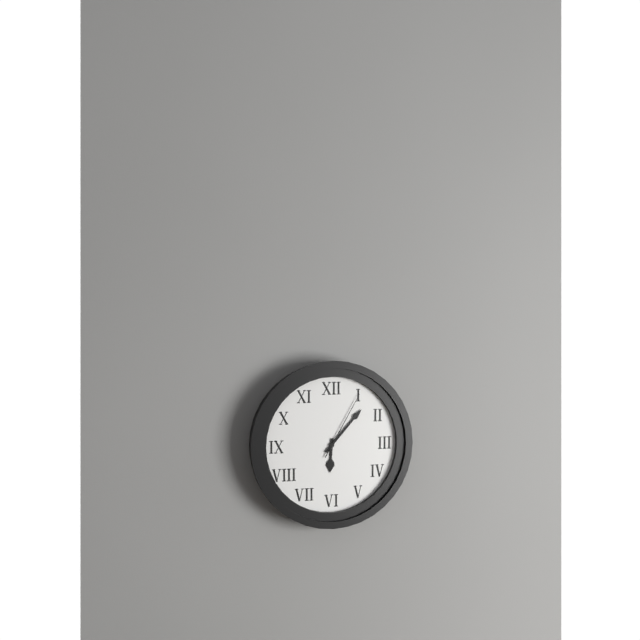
**6:07:05**
